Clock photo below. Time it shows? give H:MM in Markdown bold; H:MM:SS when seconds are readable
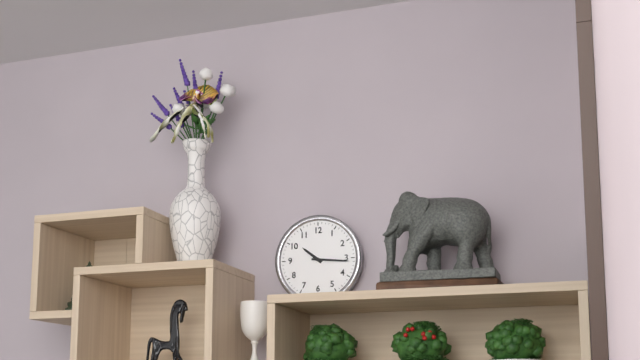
**10:16**
